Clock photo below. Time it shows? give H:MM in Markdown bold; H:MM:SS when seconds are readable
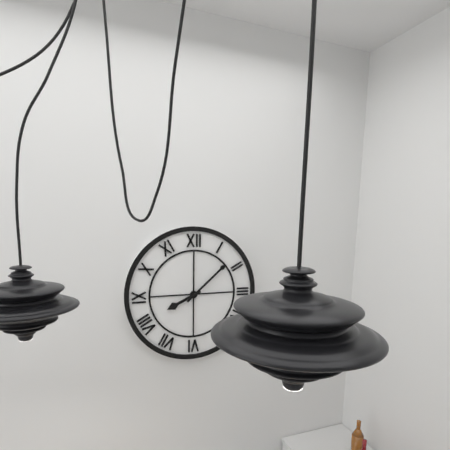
**8:08**
